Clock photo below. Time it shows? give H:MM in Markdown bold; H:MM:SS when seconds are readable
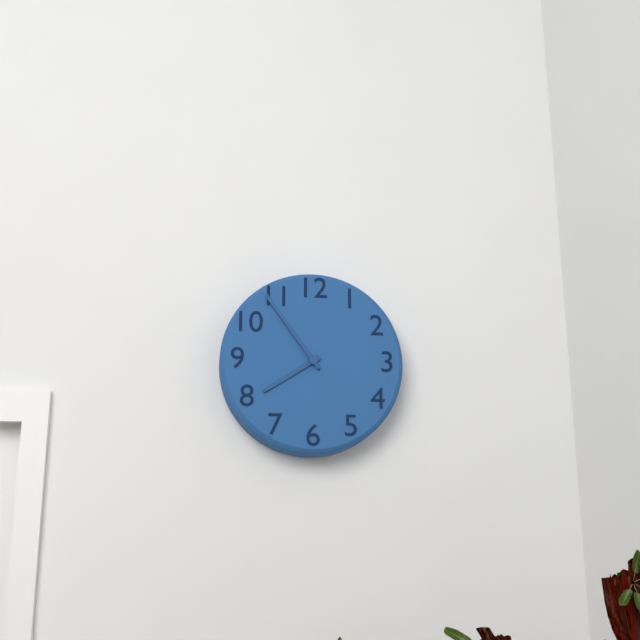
**7:54**
